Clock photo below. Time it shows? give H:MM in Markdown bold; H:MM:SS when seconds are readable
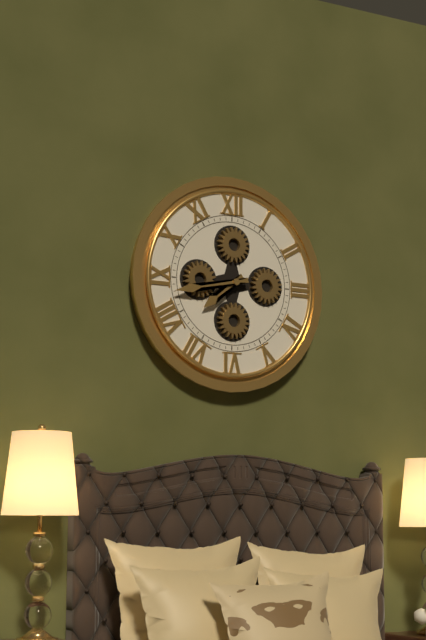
**7:43**
